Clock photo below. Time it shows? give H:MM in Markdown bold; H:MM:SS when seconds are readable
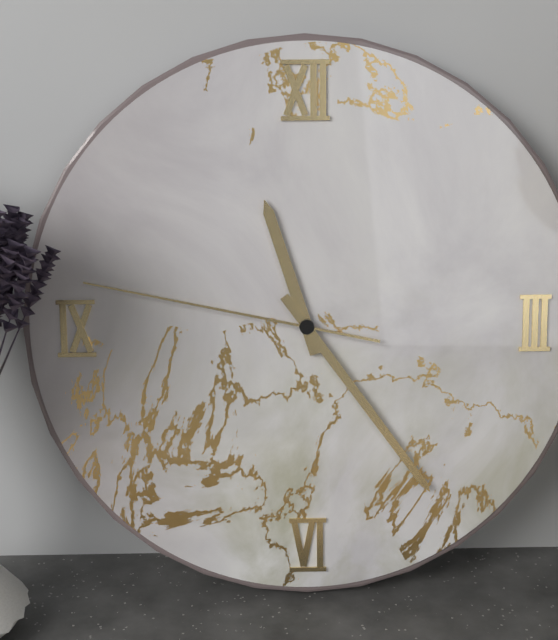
**11:24:47**
